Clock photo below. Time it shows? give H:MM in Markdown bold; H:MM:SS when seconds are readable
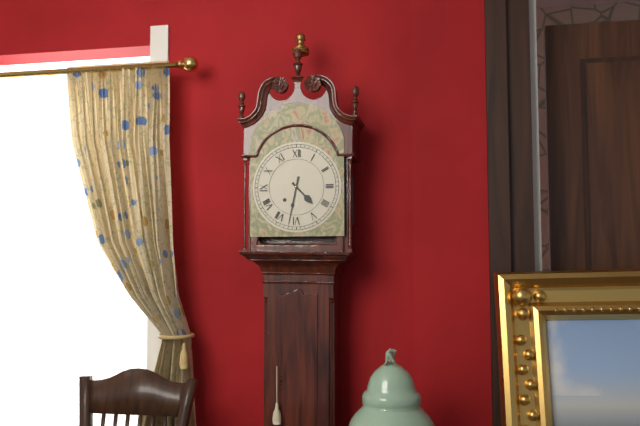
**4:32**
